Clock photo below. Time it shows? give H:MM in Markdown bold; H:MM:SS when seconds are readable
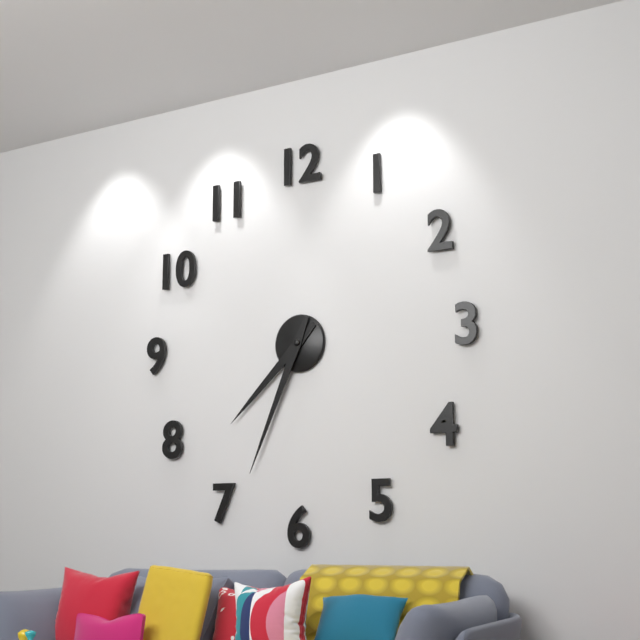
**7:34**
